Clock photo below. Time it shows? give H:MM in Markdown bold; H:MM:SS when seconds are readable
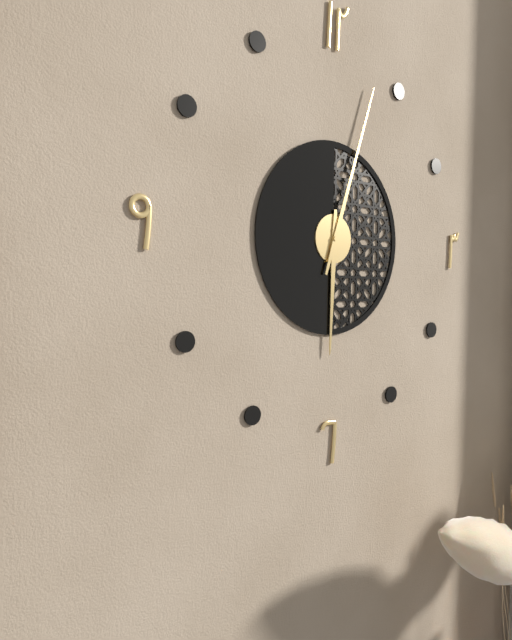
**6:03**
